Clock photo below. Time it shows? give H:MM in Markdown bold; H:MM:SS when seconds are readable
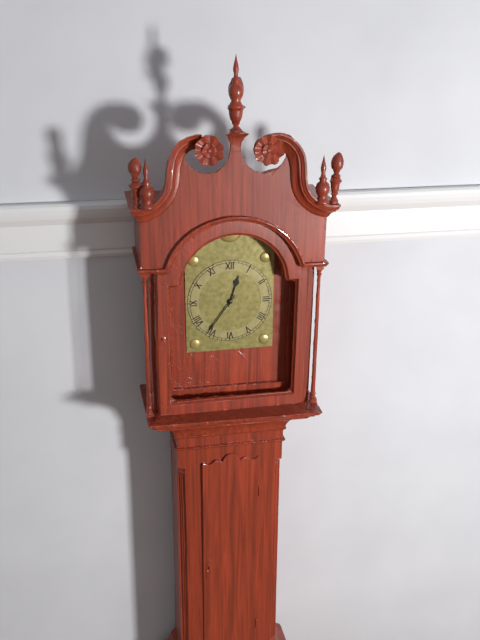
**12:36**
